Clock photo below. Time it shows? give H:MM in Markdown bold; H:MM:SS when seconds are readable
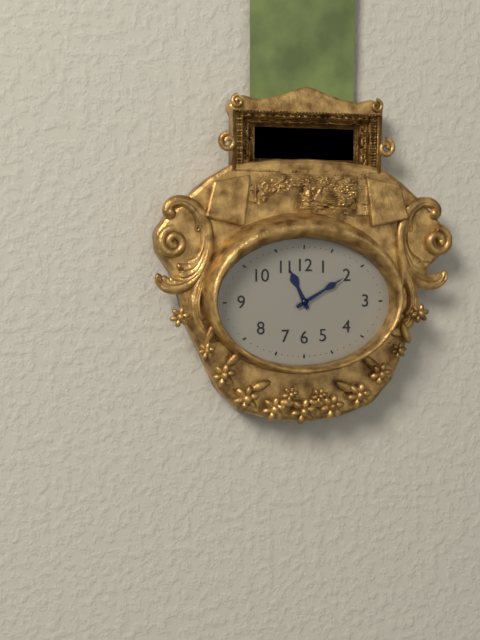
**11:10**
